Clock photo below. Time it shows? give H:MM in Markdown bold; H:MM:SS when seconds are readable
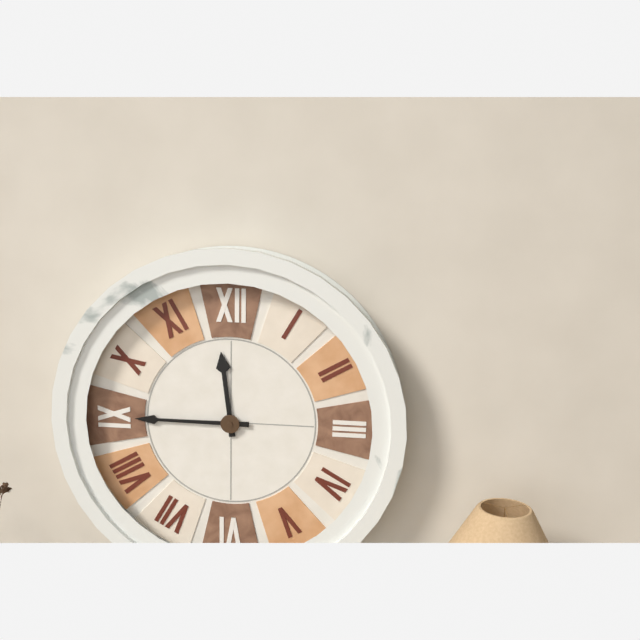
**11:45**
